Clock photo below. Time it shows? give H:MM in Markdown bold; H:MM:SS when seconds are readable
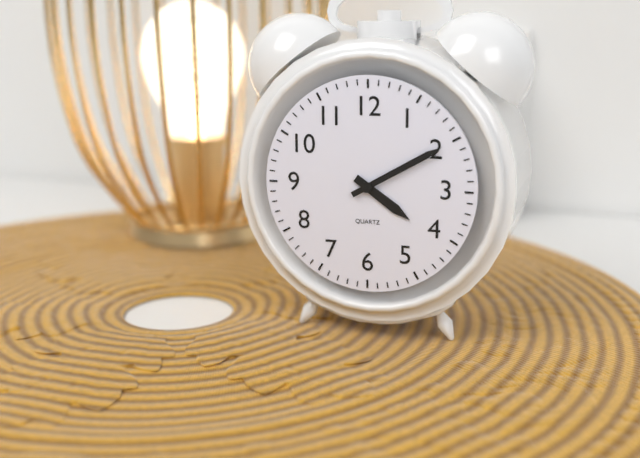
**4:10**
